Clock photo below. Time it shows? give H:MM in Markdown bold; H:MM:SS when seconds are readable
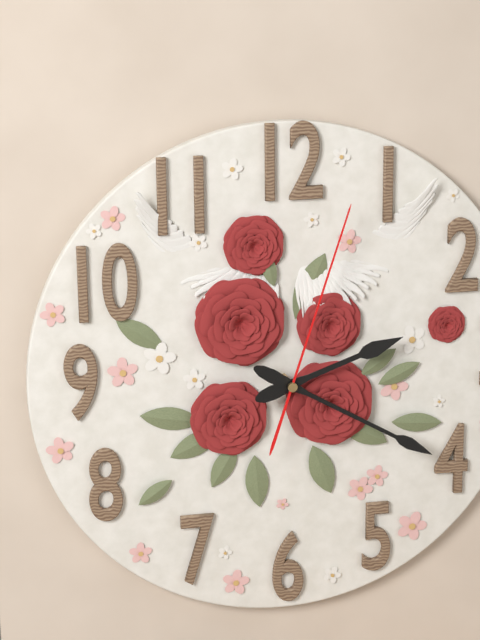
**2:20:03**
